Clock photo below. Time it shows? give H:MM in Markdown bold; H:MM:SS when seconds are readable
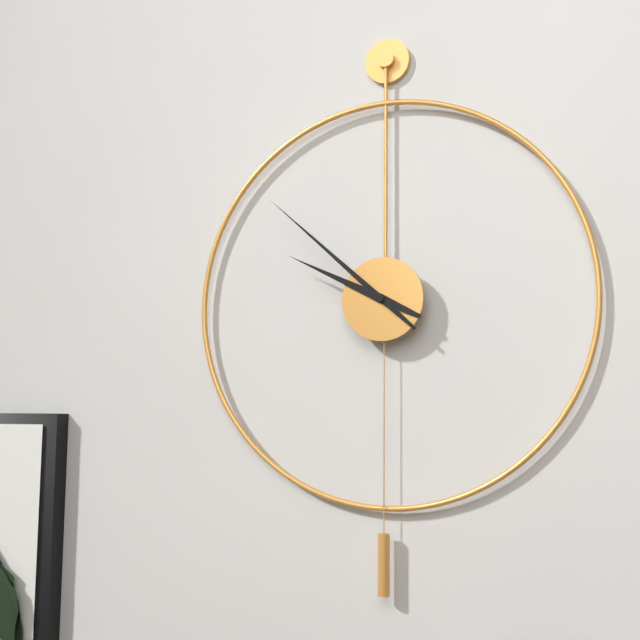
**9:52**
